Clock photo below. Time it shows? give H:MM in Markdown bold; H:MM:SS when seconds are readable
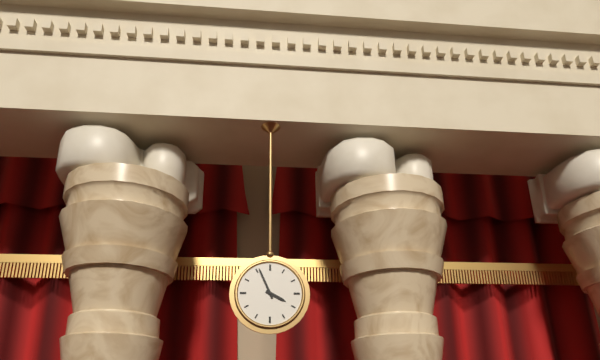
**3:56**
